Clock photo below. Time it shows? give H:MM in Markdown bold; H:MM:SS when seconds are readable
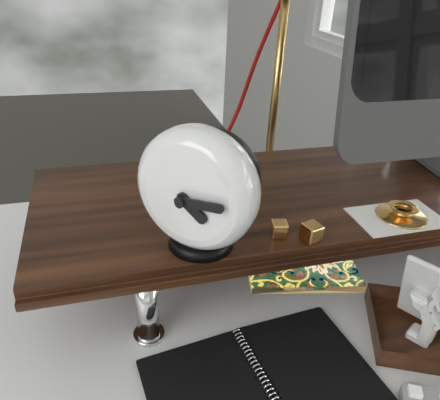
**4:14**
